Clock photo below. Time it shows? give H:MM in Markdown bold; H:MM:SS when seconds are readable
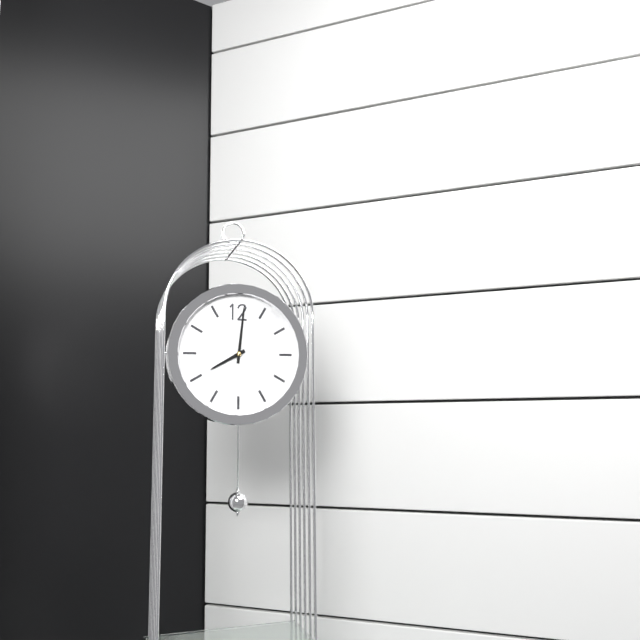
**8:01**
